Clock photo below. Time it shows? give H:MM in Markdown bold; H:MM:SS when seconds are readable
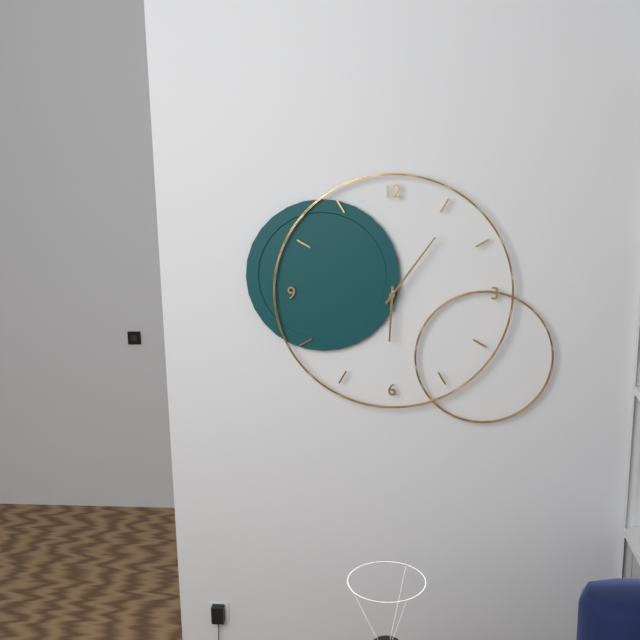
**6:06**
